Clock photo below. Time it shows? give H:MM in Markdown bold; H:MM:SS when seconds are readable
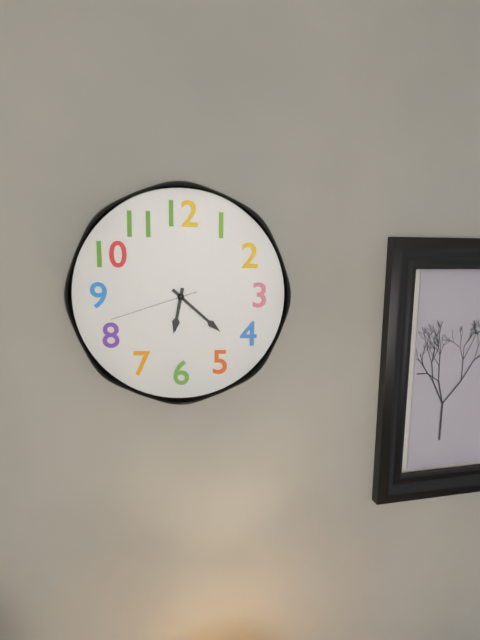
**6:22:42**
